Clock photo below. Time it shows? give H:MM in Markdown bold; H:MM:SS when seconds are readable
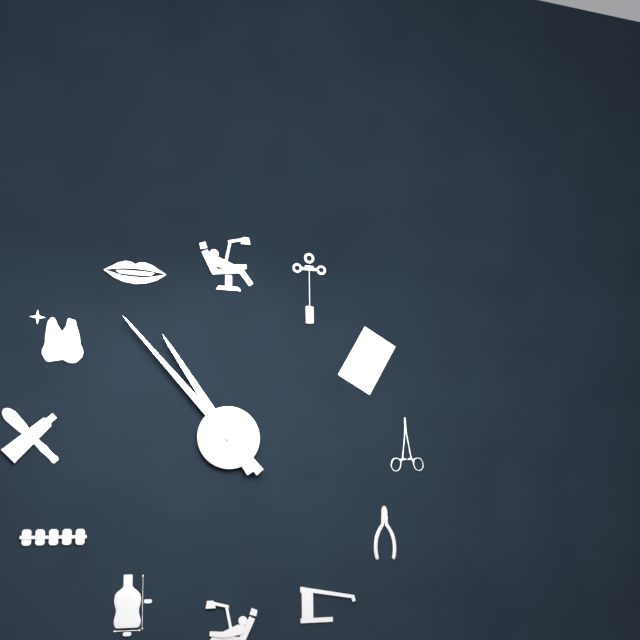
**10:53**
